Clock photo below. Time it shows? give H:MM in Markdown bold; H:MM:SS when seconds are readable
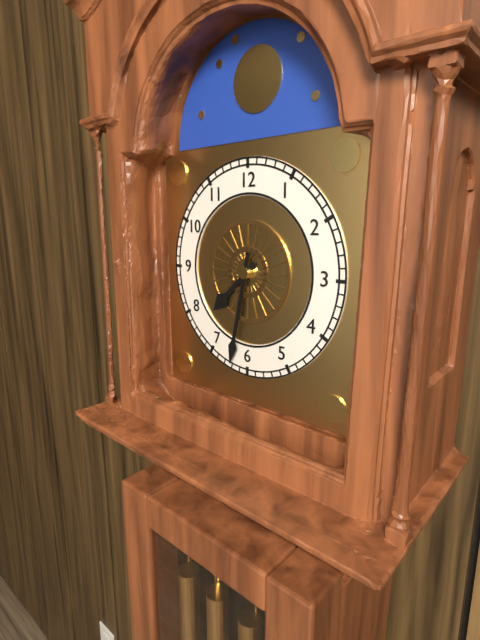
**7:32**
